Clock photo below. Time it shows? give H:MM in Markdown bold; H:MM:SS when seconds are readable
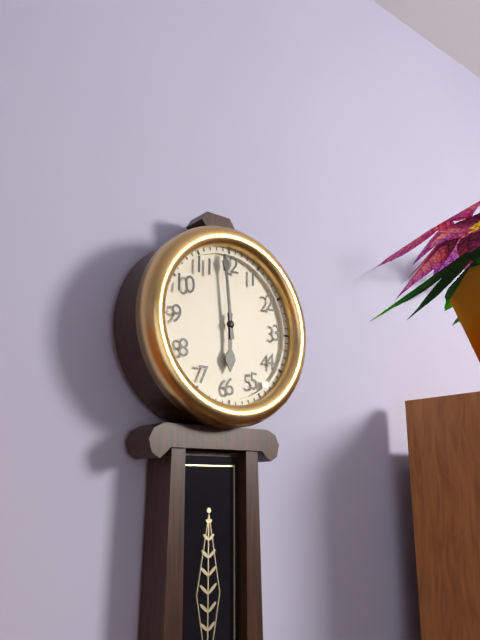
**5:59**
